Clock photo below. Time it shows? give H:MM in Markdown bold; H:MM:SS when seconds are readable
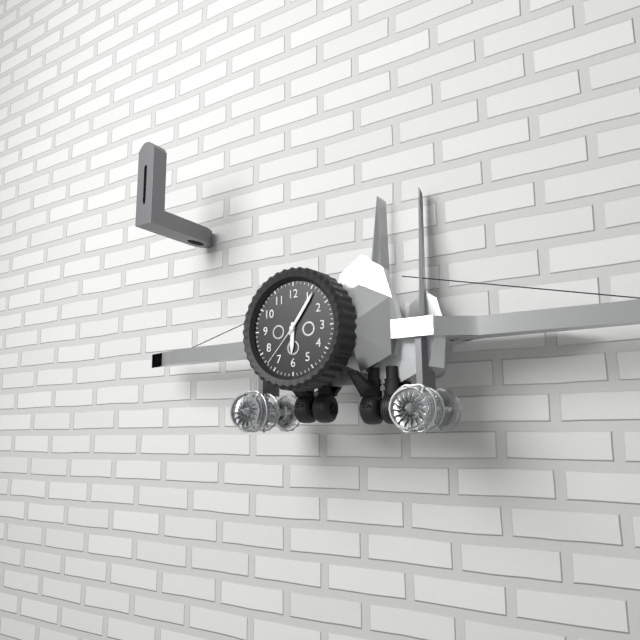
**6:06:37**
